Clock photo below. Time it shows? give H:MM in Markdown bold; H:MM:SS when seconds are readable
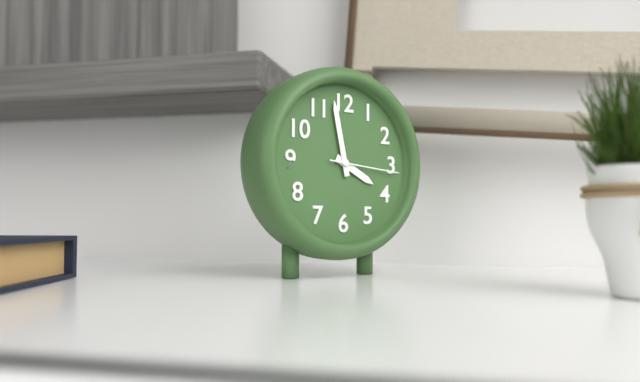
**3:58:16**
